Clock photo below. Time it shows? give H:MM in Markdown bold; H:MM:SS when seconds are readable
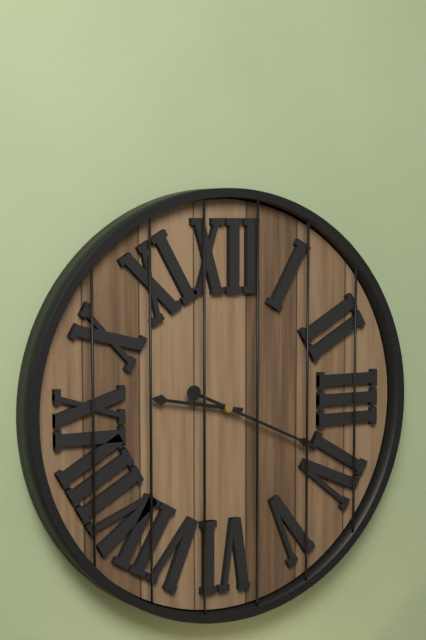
**9:19**
